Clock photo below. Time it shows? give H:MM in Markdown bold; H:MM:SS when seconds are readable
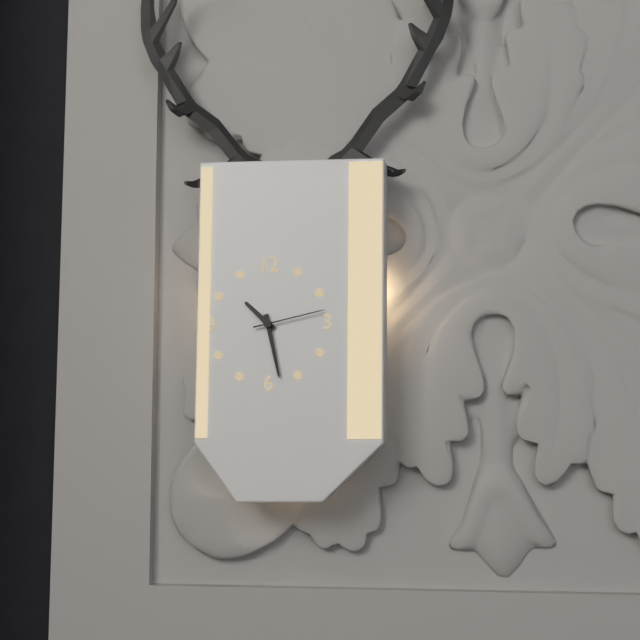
**10:28:13**
